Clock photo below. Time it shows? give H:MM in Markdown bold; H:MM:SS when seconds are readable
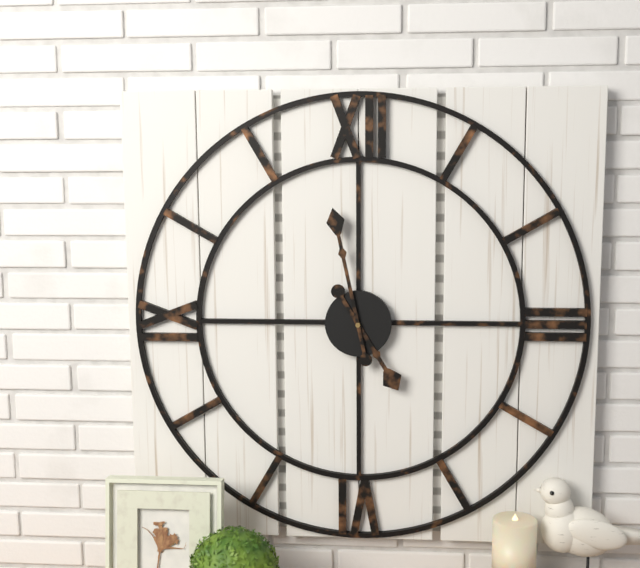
**4:58**
